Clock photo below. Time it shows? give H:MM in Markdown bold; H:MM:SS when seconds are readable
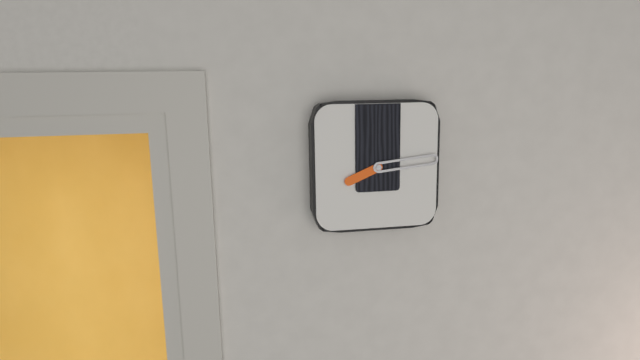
**8:14**
